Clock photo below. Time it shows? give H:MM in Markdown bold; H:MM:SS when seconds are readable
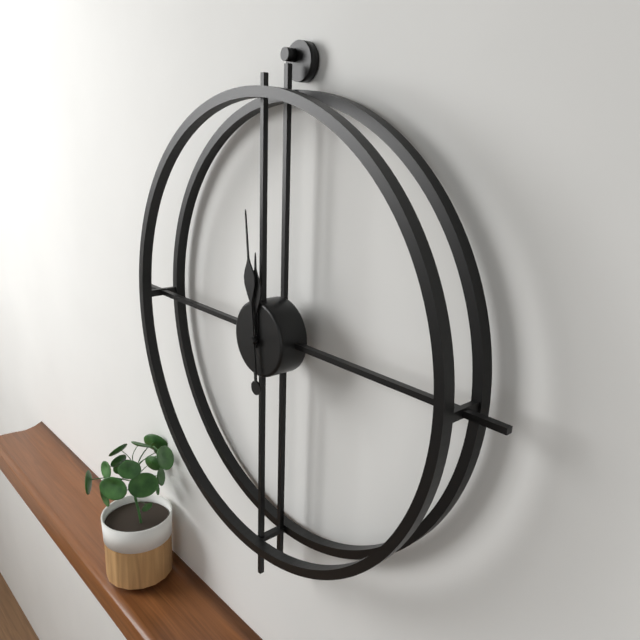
**11:59**
